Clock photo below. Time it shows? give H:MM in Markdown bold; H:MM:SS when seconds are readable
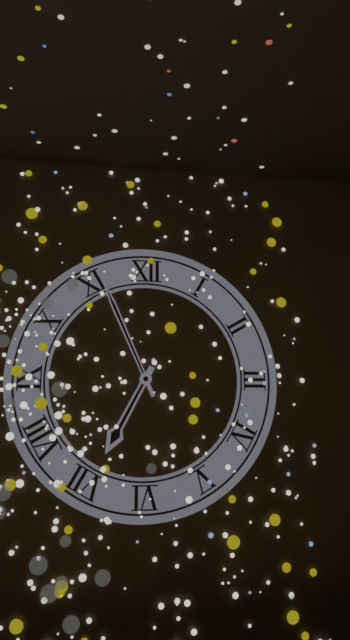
**6:56**
